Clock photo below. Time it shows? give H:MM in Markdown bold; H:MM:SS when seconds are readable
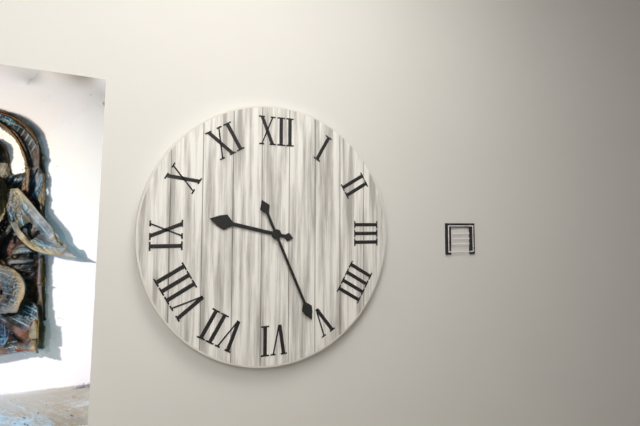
**9:26**
